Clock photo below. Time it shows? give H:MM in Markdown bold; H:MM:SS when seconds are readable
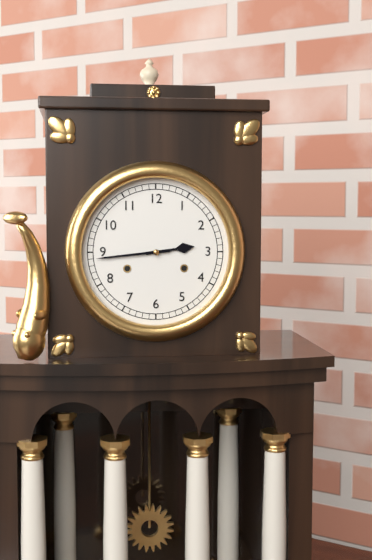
**2:44**
